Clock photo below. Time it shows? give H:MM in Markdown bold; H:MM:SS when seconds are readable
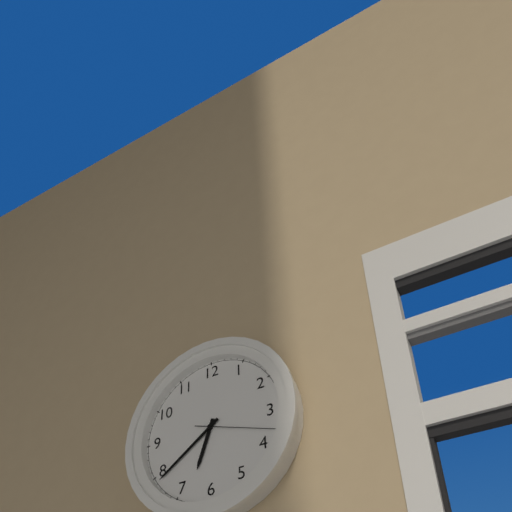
**6:39:18**
